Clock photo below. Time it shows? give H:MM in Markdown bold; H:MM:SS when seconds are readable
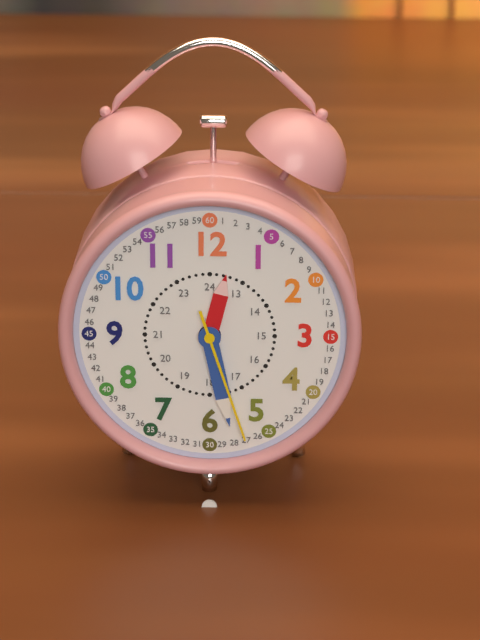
**12:28:27**
